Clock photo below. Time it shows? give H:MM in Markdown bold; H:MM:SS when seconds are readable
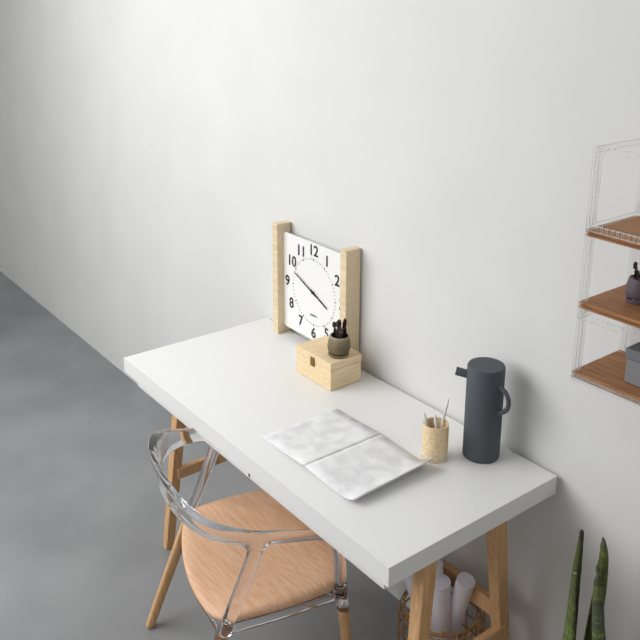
**3:49**
